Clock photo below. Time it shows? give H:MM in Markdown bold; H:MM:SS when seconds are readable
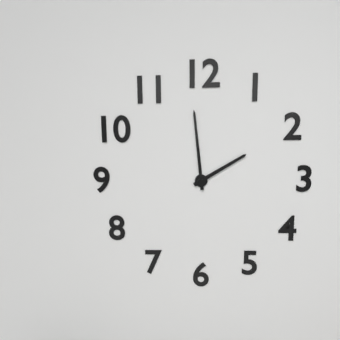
**1:59**
